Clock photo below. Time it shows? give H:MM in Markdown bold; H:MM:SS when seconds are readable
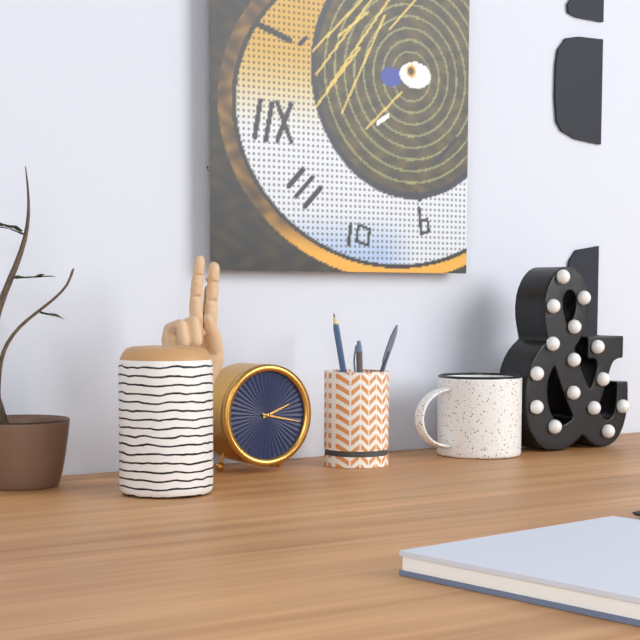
**2:17**
